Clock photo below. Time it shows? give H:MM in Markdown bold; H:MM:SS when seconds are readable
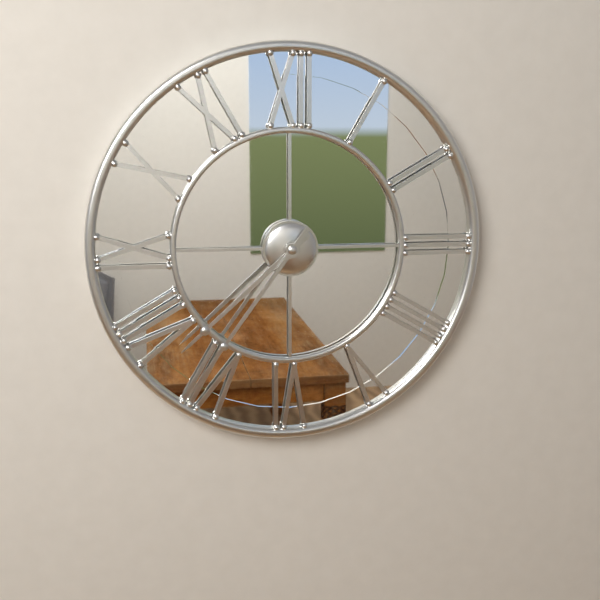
**7:36**
